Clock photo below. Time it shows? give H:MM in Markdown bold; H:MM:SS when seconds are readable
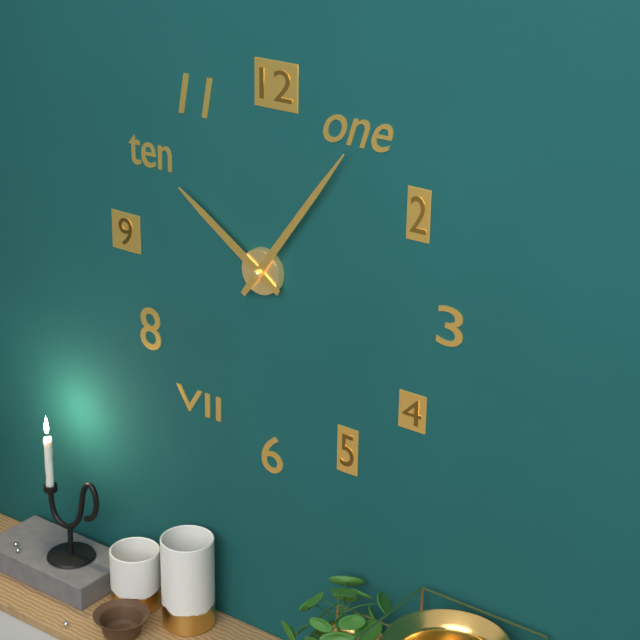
**10:06**
